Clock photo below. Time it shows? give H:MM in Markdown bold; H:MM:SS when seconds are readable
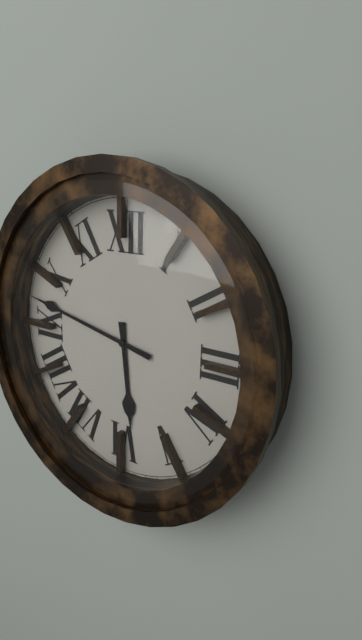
**5:47**
